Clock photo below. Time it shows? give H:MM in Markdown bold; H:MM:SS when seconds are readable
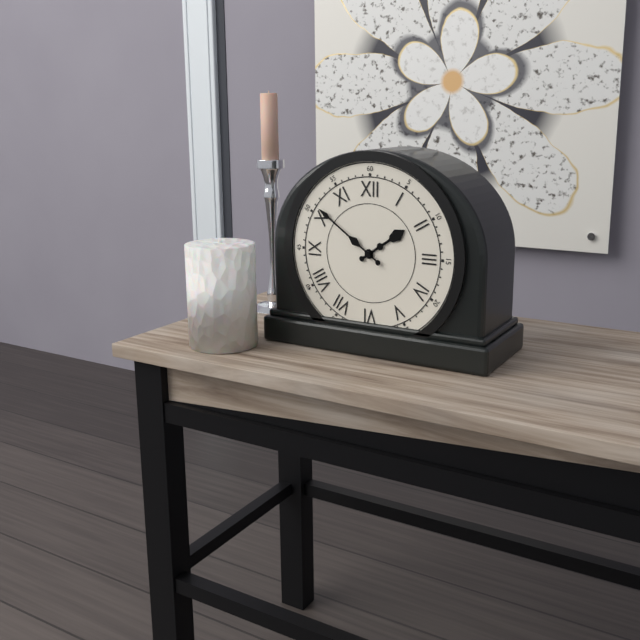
**1:51**
